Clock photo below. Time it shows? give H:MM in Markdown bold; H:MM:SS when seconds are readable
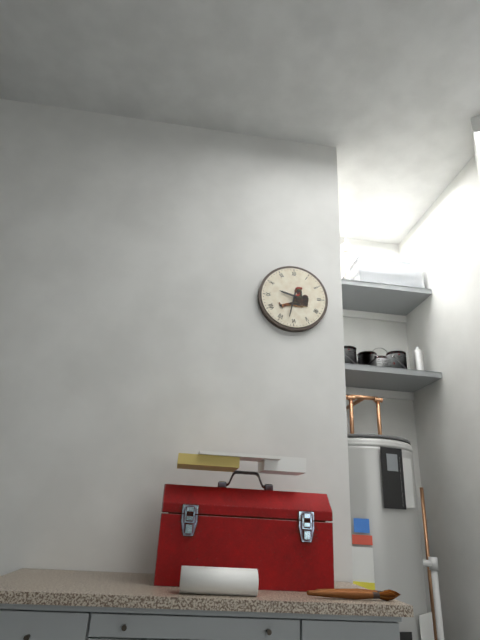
**9:32**
